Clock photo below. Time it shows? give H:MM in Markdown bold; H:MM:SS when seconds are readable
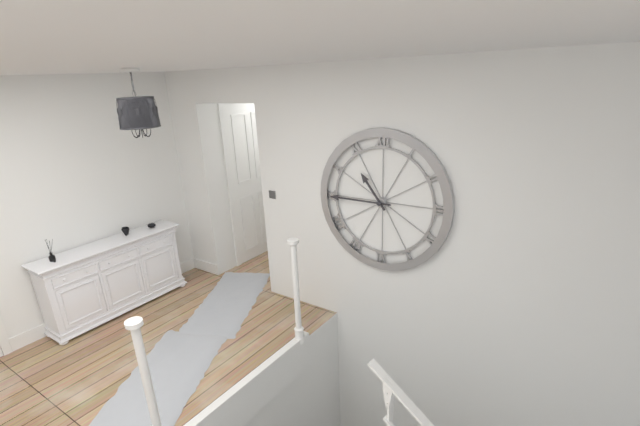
**10:45**
